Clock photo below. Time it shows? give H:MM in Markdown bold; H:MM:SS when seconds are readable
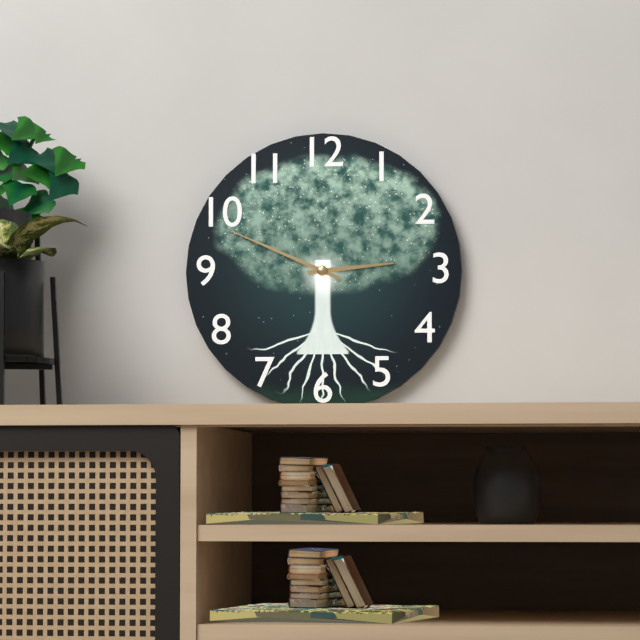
**2:49**
